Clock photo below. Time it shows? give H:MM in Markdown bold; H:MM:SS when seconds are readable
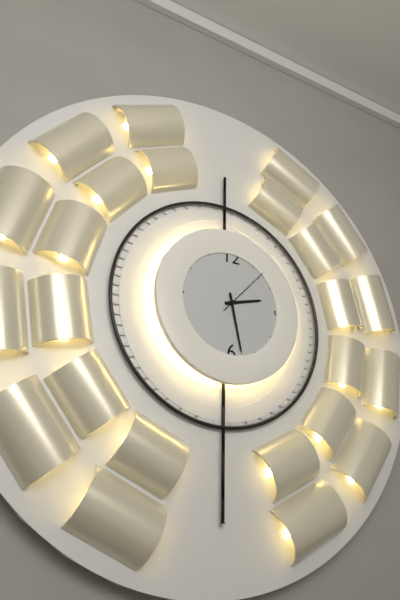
**2:28:07**
